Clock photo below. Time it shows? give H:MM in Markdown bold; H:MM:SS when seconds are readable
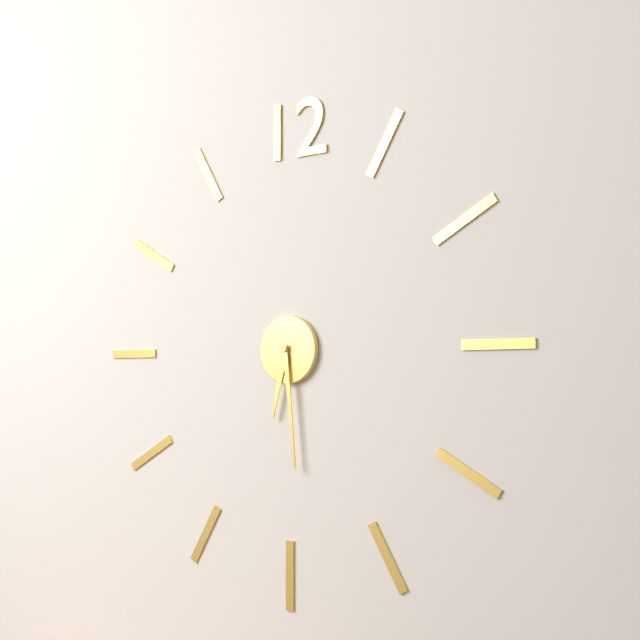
**6:29**
